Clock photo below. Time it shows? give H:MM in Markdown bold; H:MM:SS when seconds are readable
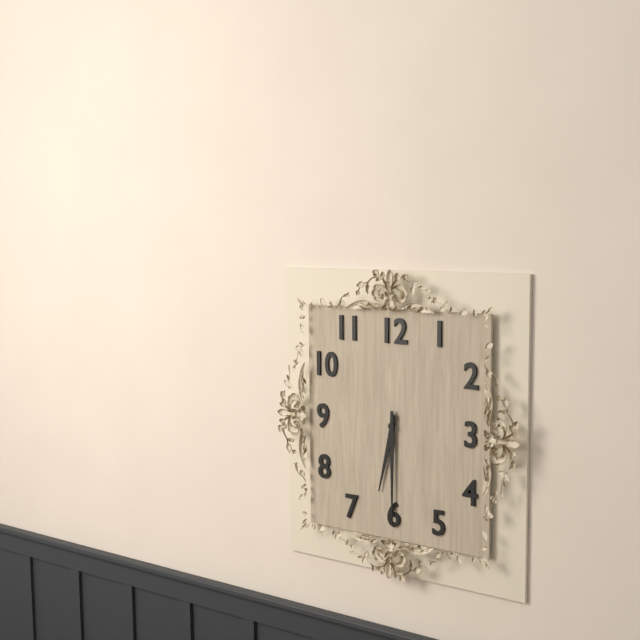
**6:30**
